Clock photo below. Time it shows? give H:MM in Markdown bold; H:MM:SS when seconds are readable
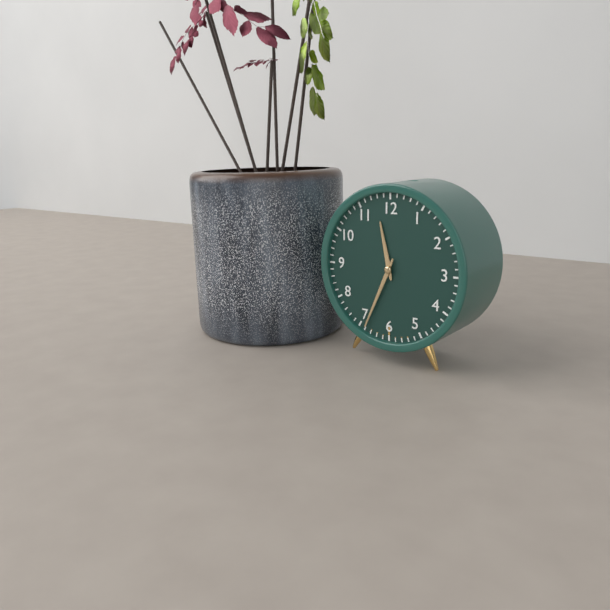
**11:34**
